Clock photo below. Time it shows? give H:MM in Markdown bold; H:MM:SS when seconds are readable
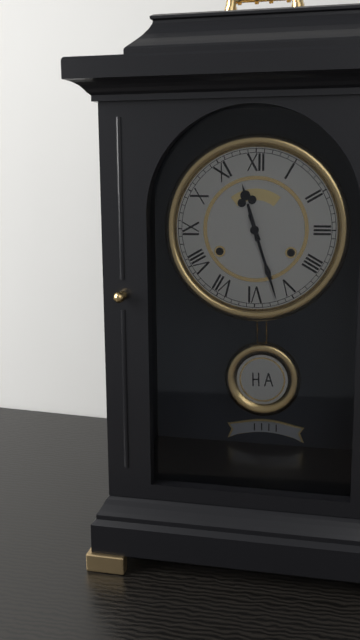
**11:27**
